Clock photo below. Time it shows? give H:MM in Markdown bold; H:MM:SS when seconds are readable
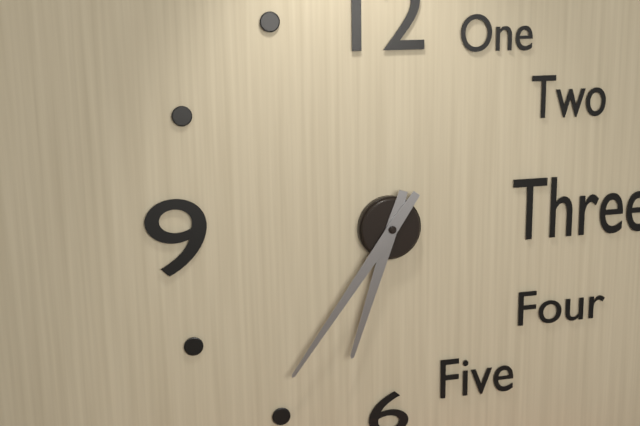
**6:36**
